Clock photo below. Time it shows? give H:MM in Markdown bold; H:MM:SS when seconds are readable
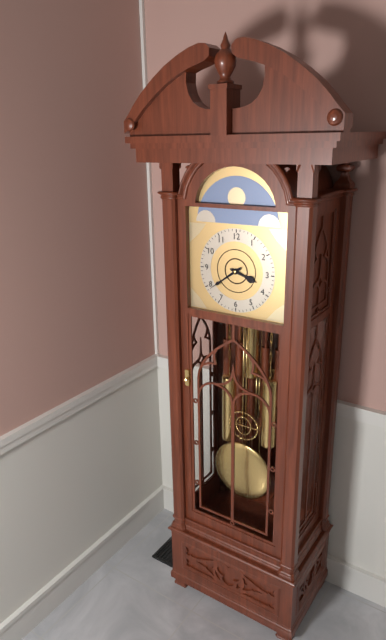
**3:39**
